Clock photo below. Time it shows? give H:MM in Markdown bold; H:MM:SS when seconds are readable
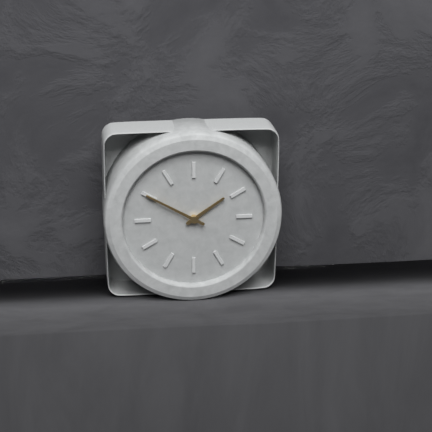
**1:50**
